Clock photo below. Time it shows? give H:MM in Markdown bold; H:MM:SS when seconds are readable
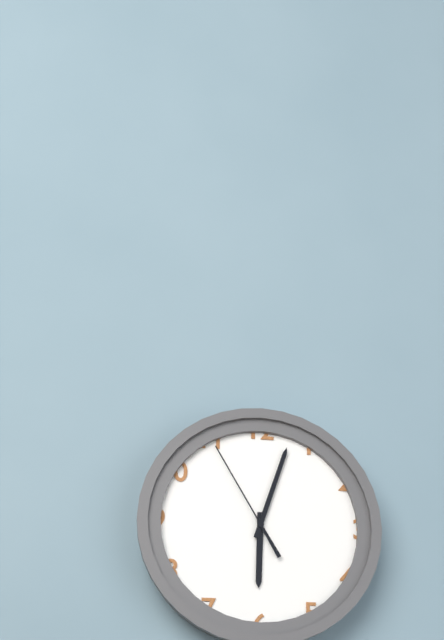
**6:03:55**
